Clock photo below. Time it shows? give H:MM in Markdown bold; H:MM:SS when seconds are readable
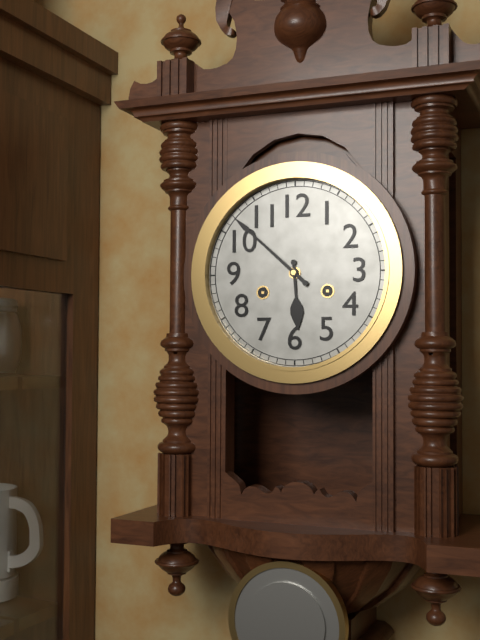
**5:52**
